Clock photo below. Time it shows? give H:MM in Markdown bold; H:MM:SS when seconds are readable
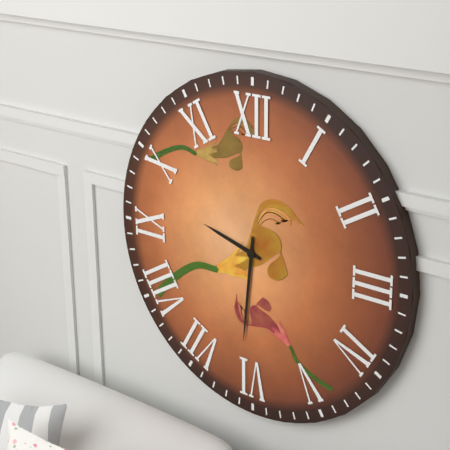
**9:31**
